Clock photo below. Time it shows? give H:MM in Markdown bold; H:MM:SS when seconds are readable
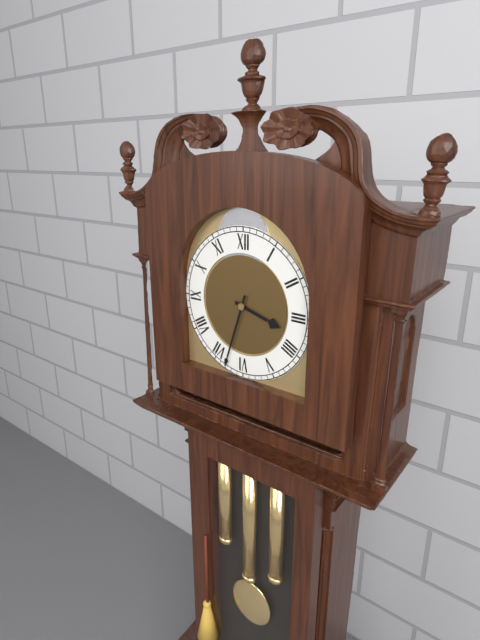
**3:33**
